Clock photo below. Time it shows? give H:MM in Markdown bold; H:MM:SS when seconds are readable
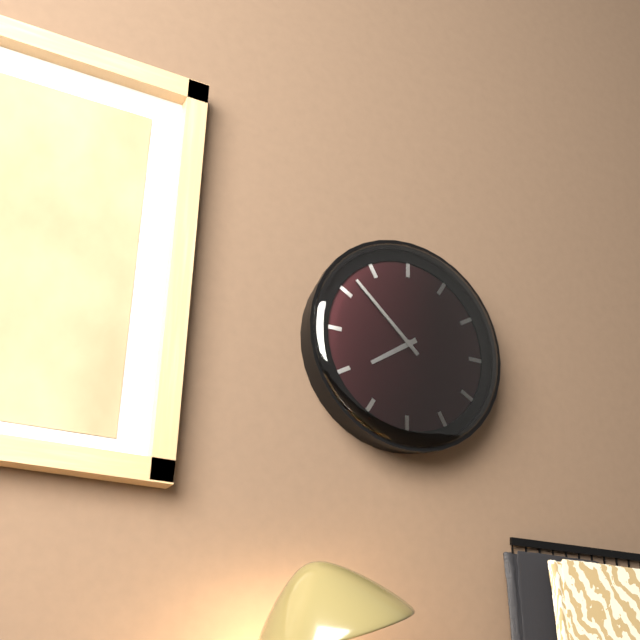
**7:52**
